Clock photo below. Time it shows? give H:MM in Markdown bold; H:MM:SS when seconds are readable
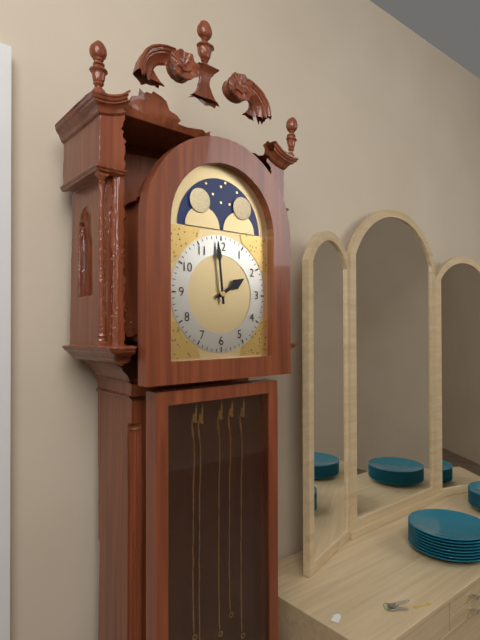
**1:59**
